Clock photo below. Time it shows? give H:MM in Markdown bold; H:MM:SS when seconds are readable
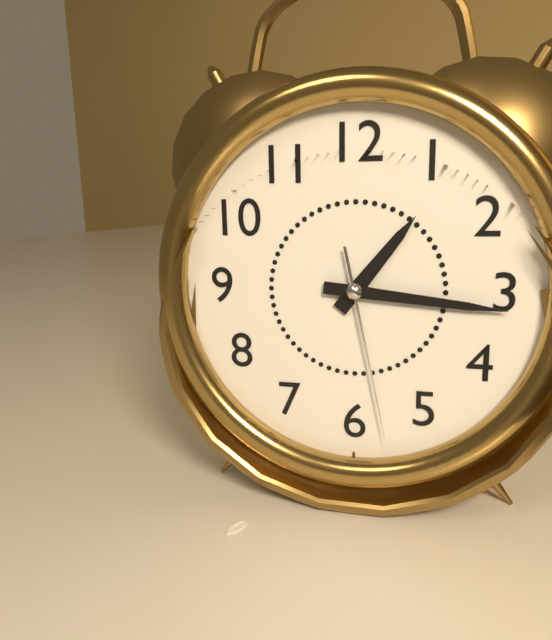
**1:16:28**
